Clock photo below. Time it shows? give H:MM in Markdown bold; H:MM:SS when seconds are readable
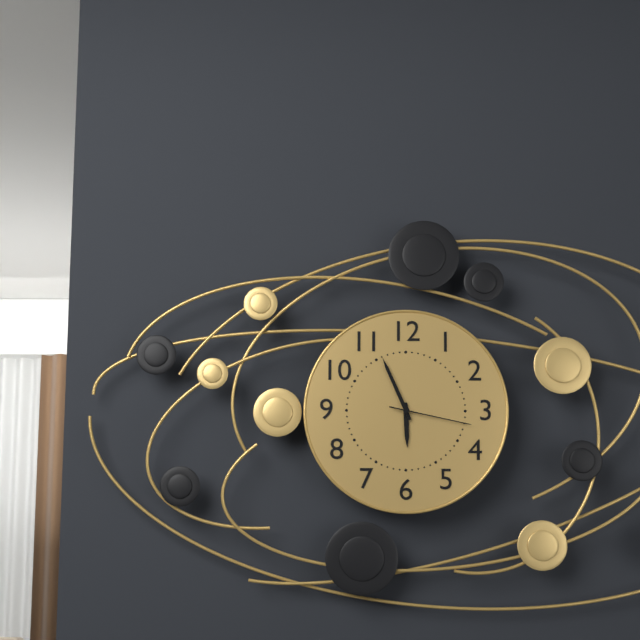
**5:56:17**
